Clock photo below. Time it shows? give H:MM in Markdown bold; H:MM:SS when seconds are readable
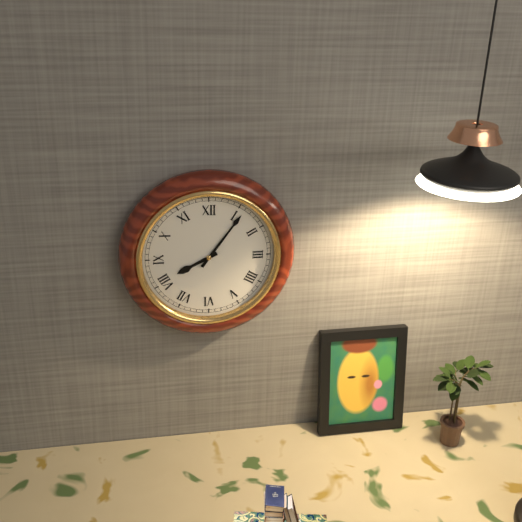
**8:06**
